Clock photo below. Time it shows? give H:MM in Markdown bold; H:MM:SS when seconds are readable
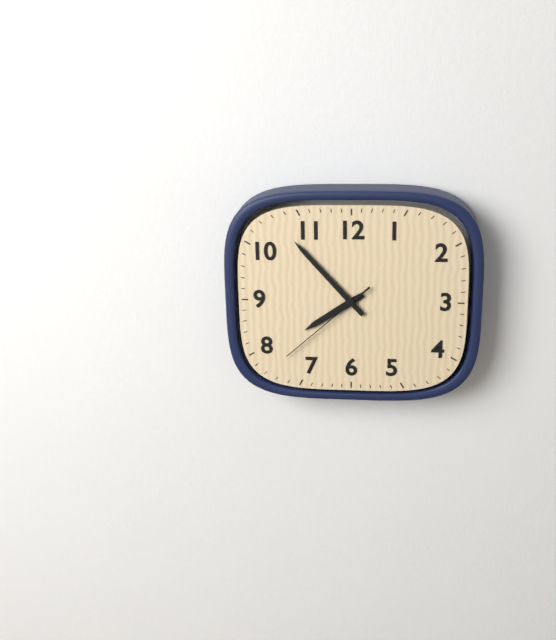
**7:53:38**
